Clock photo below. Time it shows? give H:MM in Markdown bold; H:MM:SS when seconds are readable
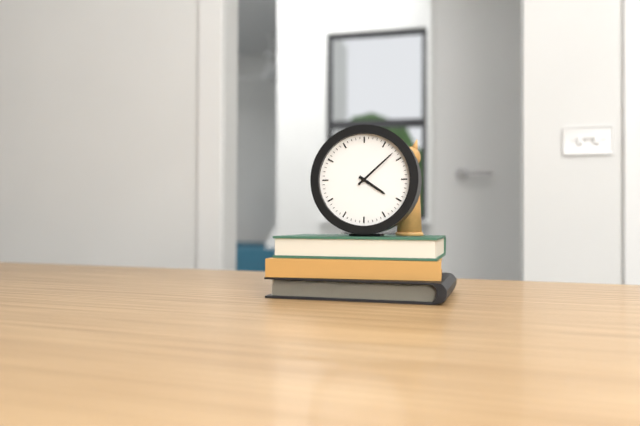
**4:08**
